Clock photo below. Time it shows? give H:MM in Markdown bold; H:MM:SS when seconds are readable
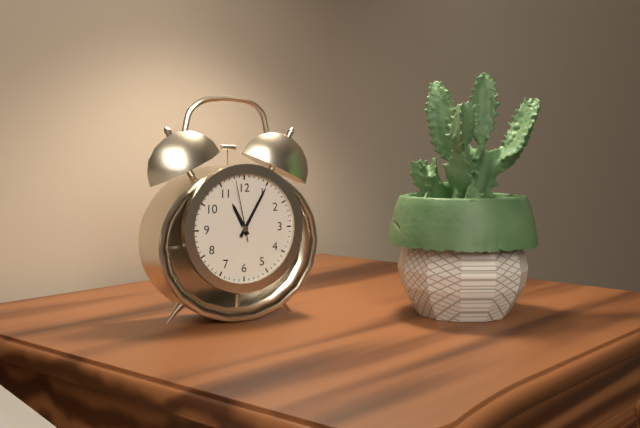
**11:05:58**
